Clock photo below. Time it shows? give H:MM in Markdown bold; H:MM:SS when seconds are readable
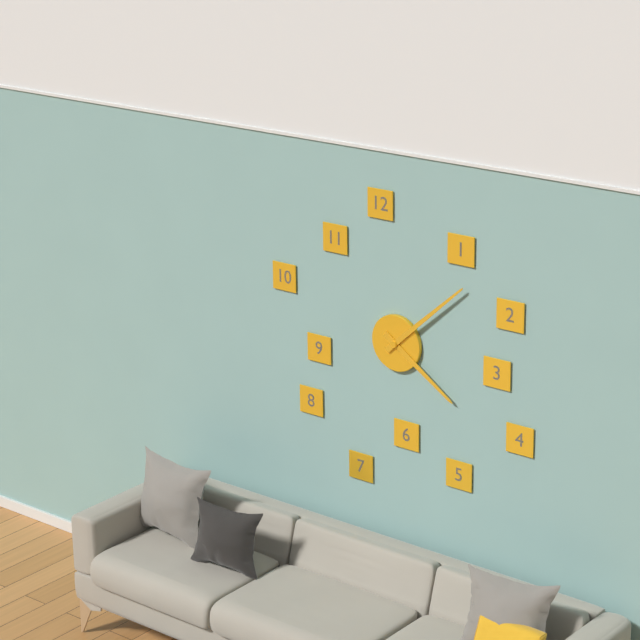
**4:08**
